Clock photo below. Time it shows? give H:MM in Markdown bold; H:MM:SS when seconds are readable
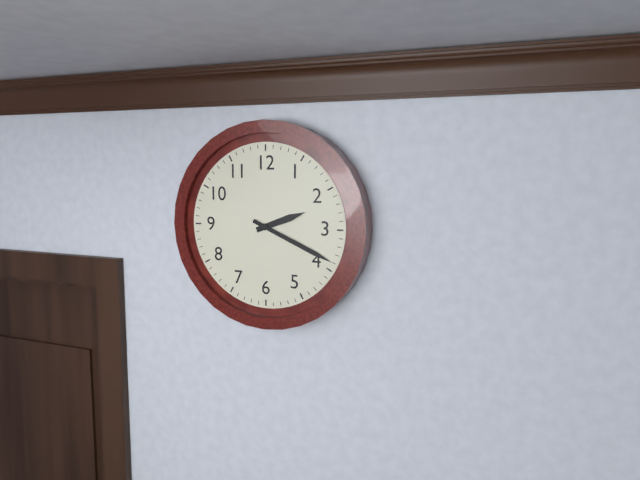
**2:19**
